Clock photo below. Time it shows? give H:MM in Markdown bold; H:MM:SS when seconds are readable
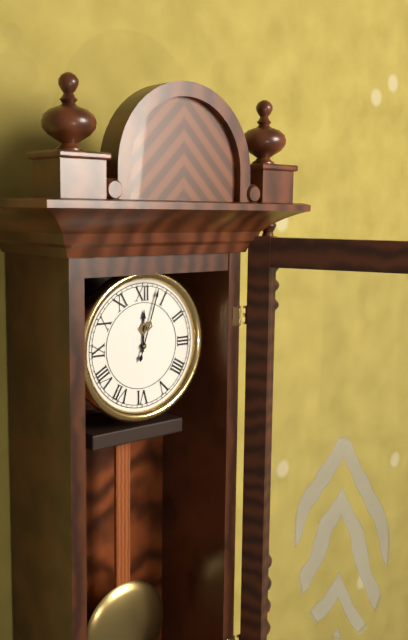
**12:03**
